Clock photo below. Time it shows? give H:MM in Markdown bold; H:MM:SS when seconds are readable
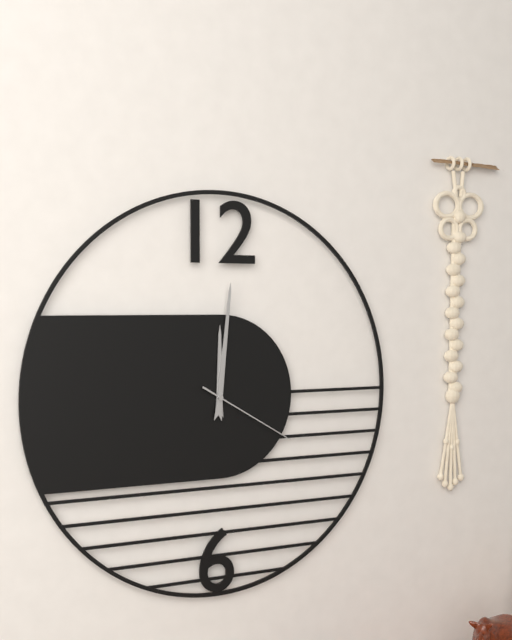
**12:01:20**
